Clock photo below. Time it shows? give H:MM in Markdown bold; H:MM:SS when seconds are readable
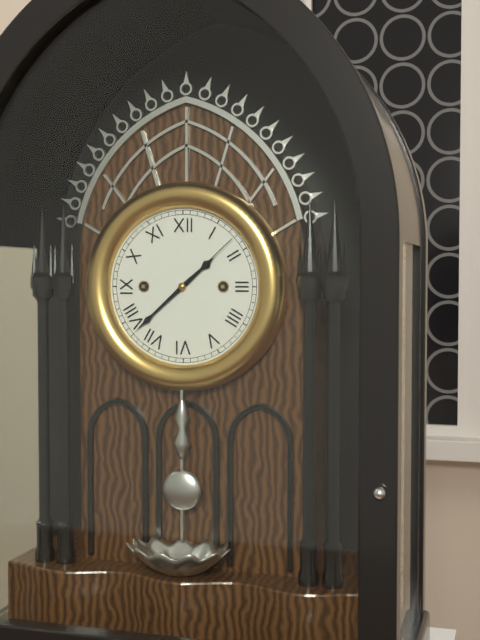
**1:38:08**
